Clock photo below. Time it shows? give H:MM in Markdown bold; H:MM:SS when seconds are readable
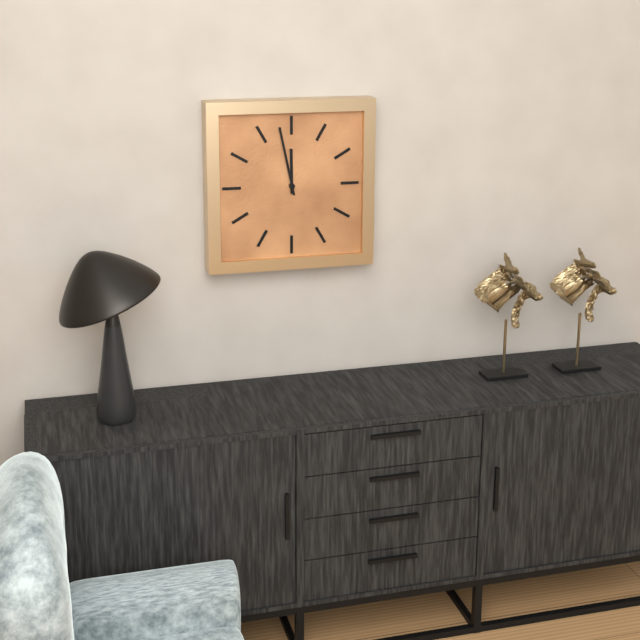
**11:58**
